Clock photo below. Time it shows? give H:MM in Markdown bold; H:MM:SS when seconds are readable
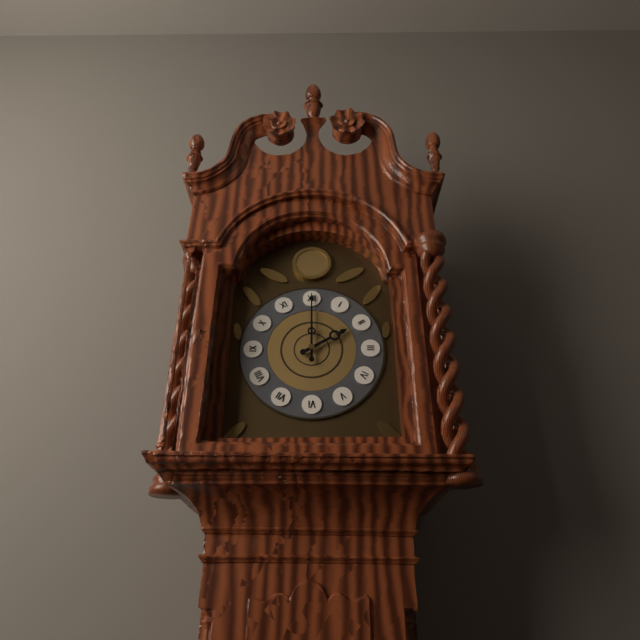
**2:00**
